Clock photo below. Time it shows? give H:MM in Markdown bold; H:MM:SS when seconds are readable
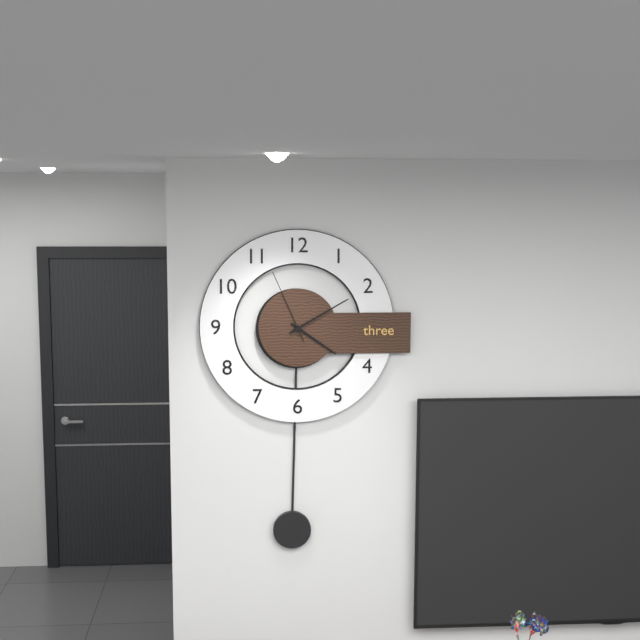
**4:10:56**
